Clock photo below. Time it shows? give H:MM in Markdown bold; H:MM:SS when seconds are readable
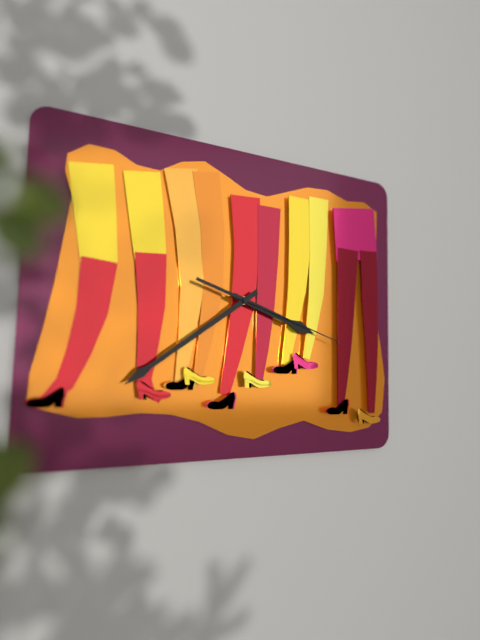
**3:39:18**
